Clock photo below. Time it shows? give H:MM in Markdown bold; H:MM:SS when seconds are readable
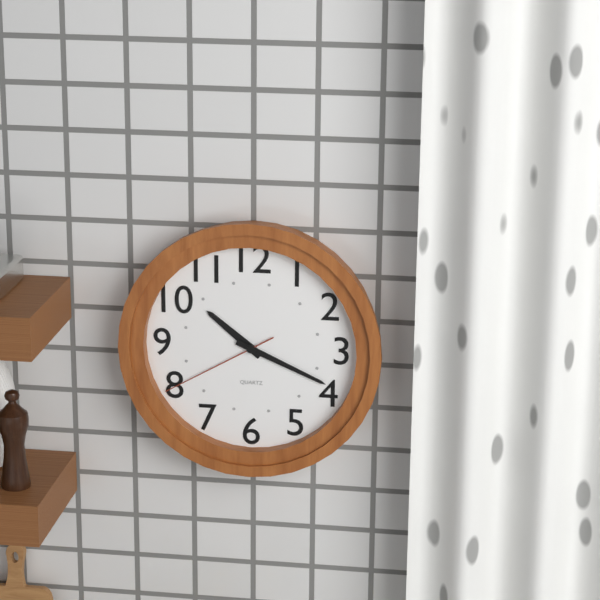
**10:19:40**
